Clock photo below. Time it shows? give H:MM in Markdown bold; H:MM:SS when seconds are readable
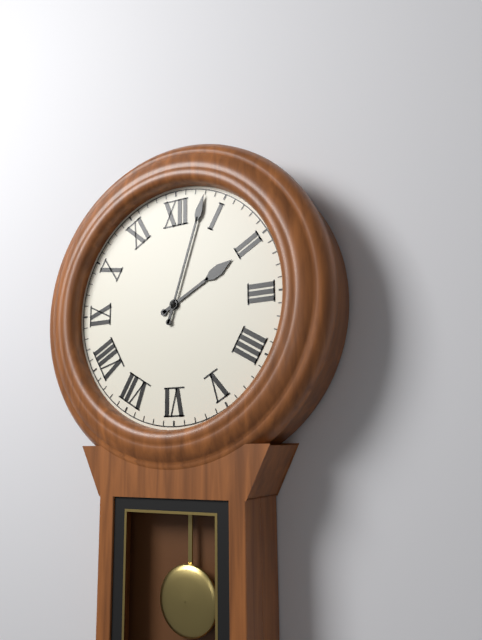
**2:03**
